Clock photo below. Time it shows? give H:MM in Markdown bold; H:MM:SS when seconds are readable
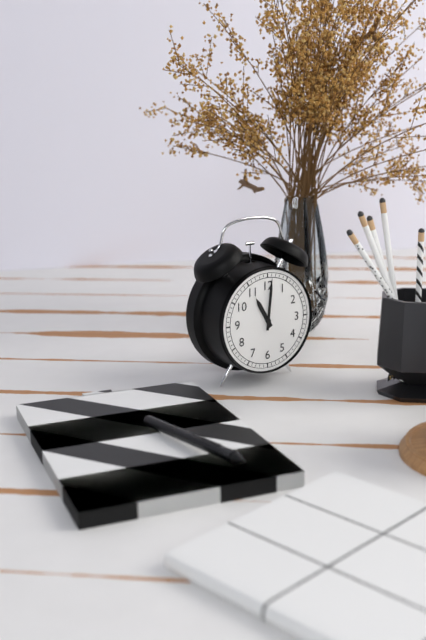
**11:01**
